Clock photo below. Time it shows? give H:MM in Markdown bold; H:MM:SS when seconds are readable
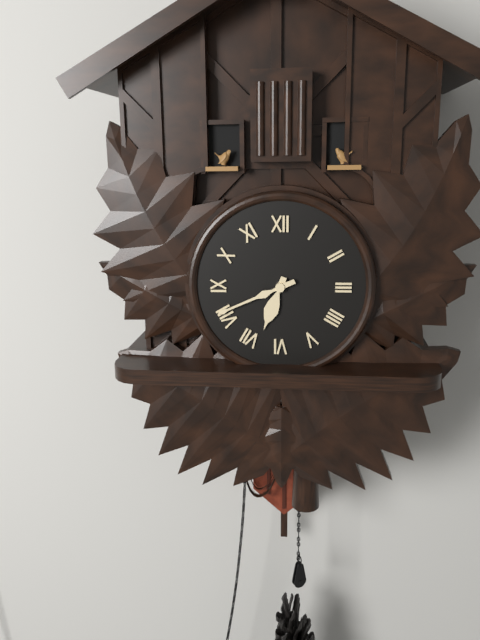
**6:41**
